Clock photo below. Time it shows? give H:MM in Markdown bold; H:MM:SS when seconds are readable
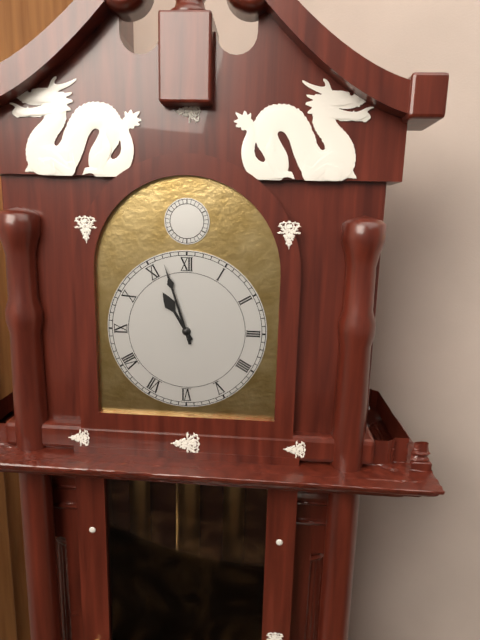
**10:57**
